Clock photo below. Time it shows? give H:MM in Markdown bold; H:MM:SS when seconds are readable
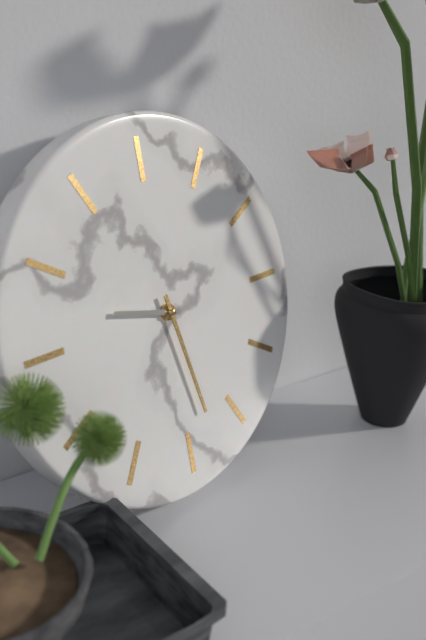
**9:28**
